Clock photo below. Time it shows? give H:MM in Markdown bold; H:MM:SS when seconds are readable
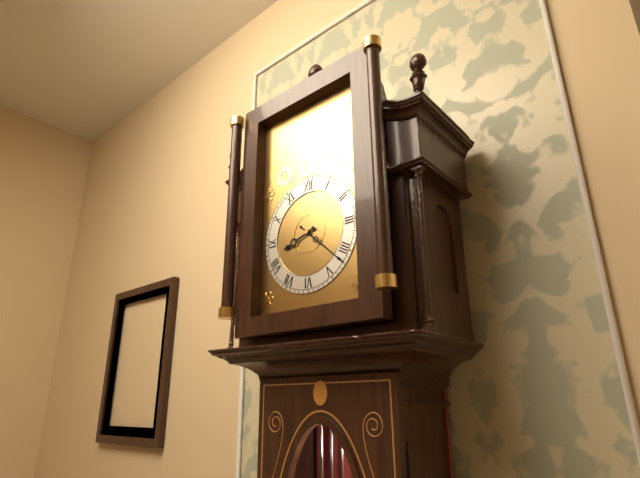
**8:22**
